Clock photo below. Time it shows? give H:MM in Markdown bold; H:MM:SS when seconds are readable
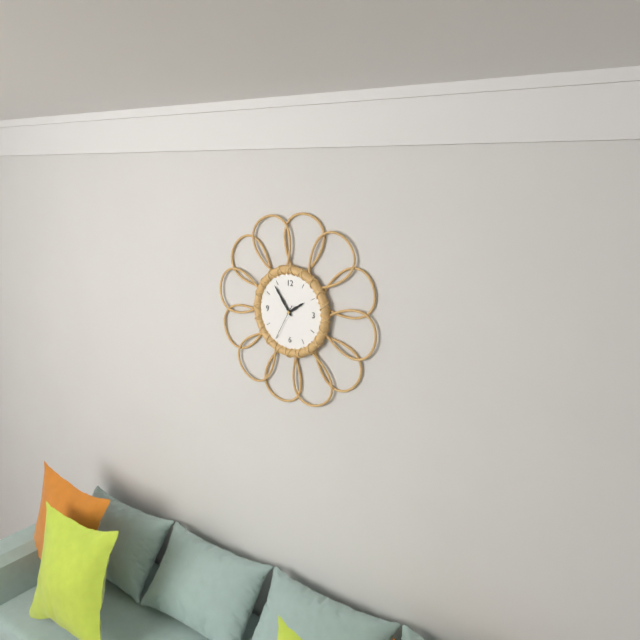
**1:54**
